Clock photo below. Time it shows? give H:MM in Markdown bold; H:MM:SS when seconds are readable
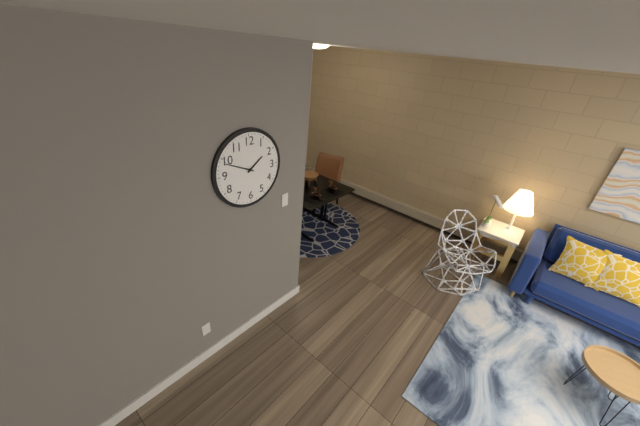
**1:49**
